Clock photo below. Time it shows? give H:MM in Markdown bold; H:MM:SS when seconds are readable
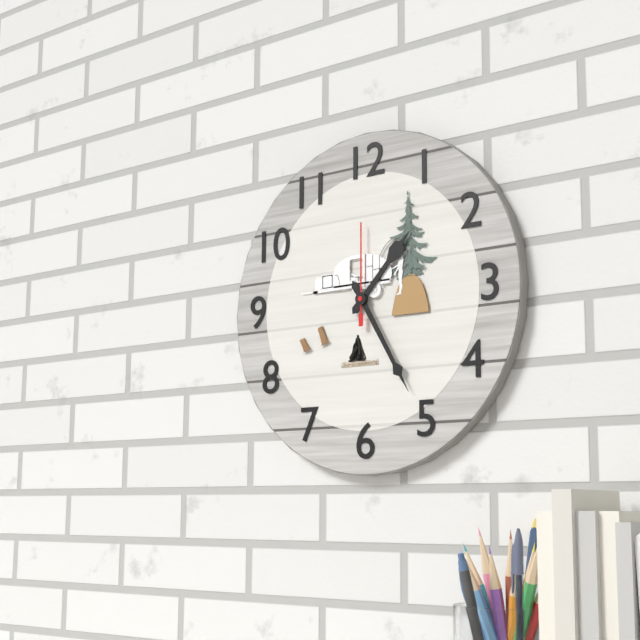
**1:25:00**
